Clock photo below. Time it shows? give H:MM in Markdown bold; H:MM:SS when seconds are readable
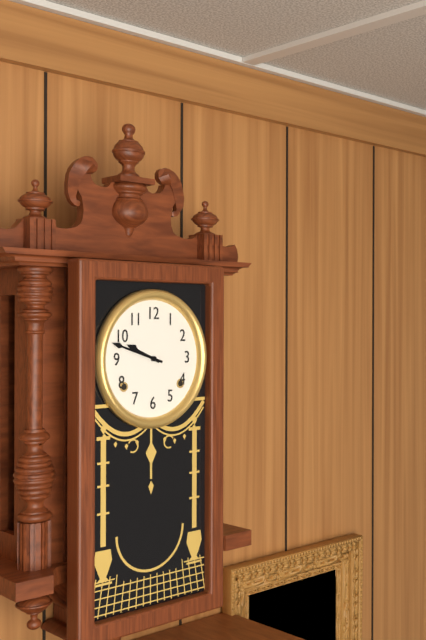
**9:48**
